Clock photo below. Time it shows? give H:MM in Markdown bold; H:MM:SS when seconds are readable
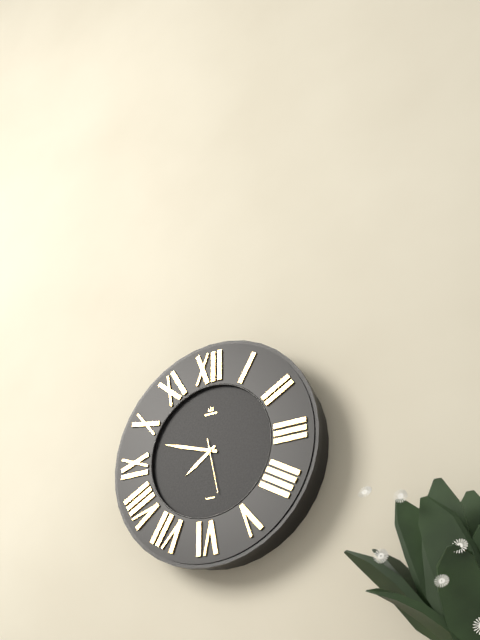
**7:48**
